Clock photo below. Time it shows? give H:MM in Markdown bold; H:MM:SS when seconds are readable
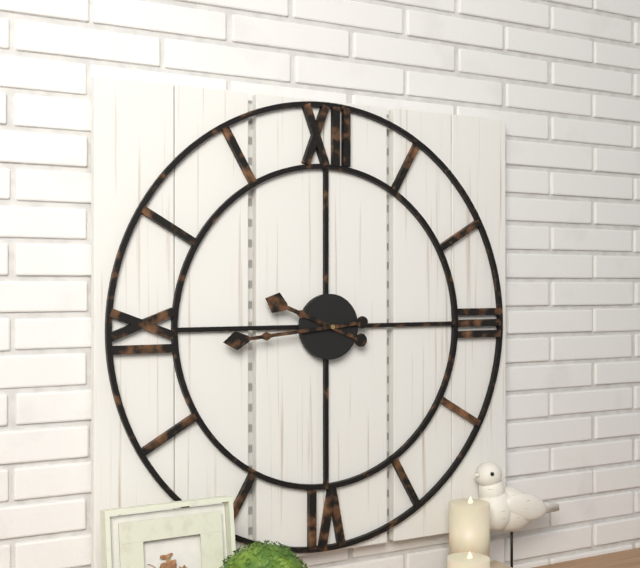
**9:44**
